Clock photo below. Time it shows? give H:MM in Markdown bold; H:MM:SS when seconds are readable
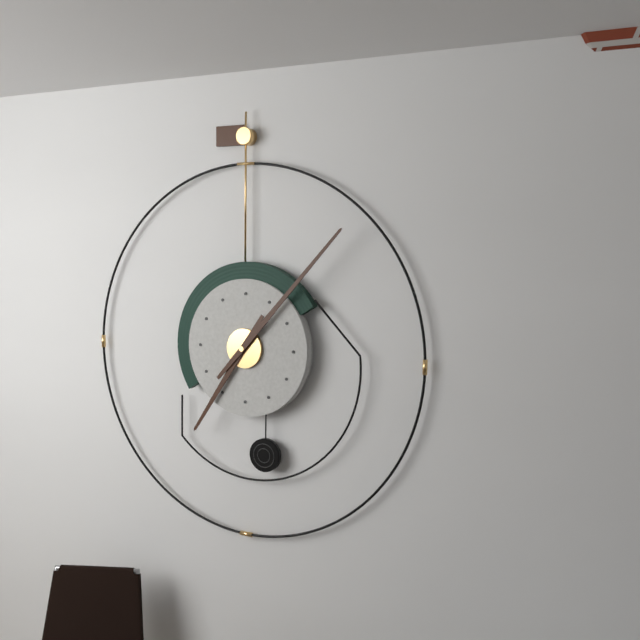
**7:07**
